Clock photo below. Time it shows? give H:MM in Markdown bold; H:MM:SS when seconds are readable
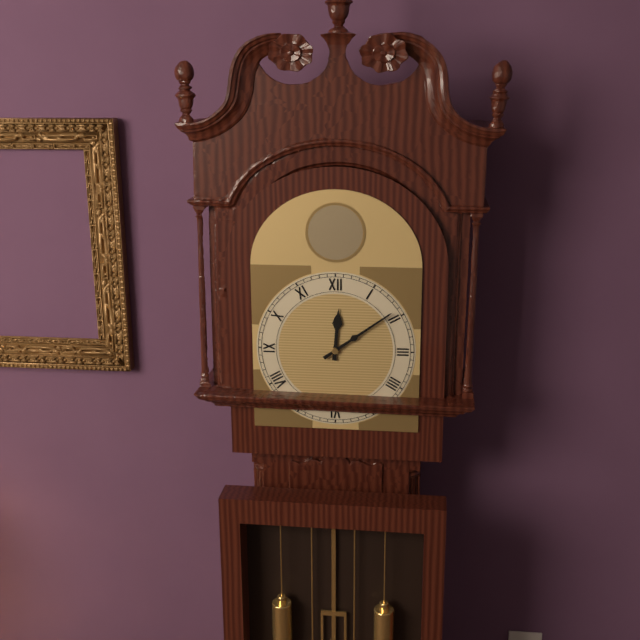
**12:09**
